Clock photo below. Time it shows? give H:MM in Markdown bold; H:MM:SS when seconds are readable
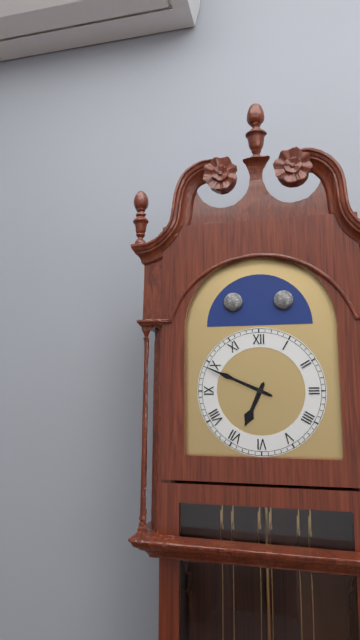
**6:49**
